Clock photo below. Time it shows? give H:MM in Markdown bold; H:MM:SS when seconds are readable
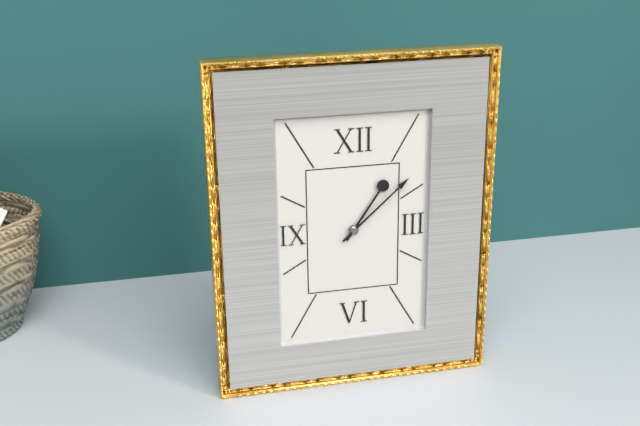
**1:08**
